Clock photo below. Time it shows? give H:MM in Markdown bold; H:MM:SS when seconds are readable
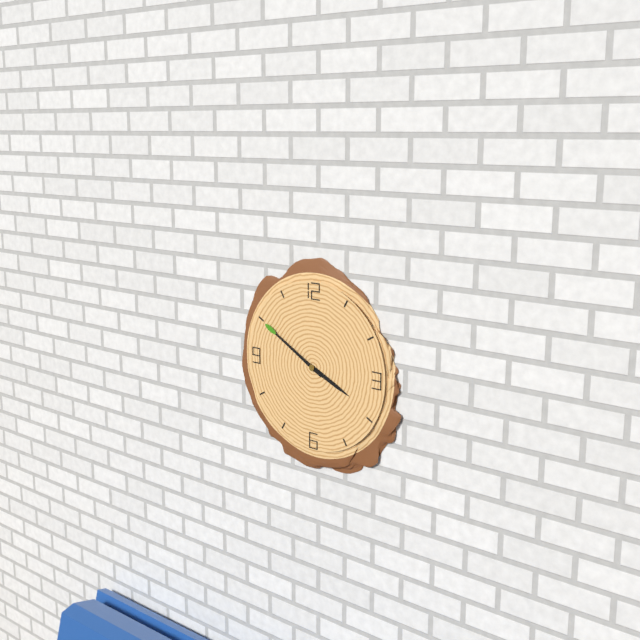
**3:50**
